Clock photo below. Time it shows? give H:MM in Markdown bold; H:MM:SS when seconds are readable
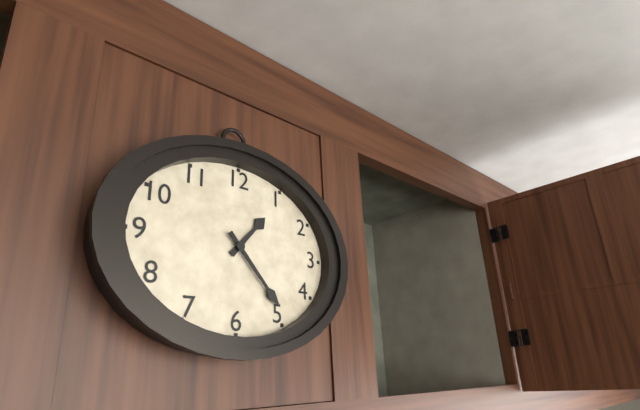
**1:23**
